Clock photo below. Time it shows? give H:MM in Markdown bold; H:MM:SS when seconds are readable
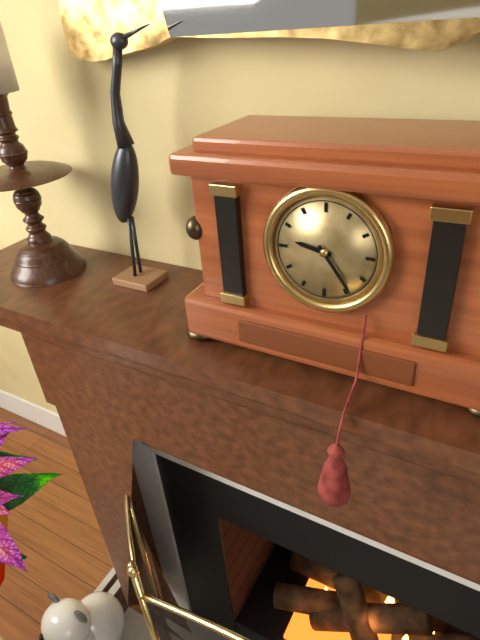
**9:24**
